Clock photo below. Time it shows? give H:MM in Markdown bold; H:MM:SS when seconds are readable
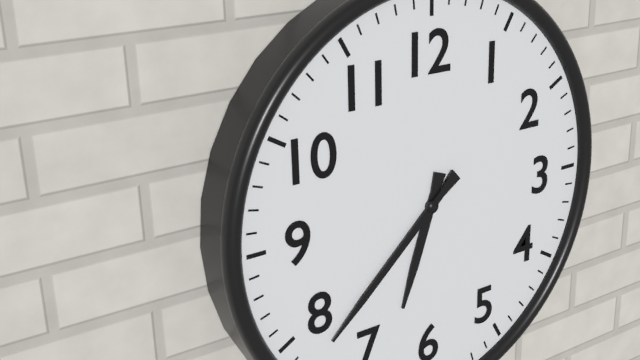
**6:38**
